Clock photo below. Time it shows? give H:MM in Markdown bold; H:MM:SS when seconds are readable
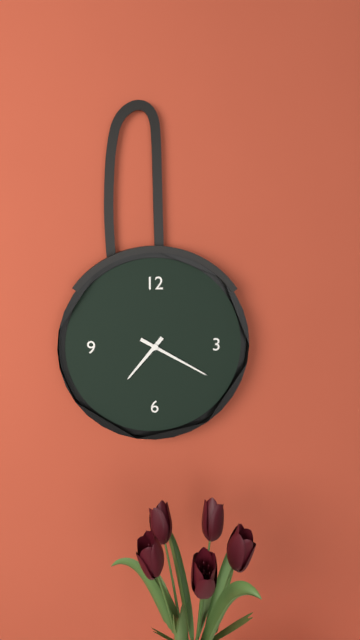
**7:20**
